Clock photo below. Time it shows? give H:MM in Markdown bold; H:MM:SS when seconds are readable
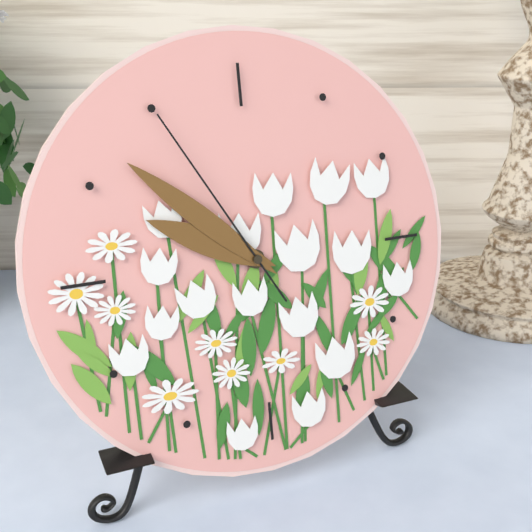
**9:52:55**
